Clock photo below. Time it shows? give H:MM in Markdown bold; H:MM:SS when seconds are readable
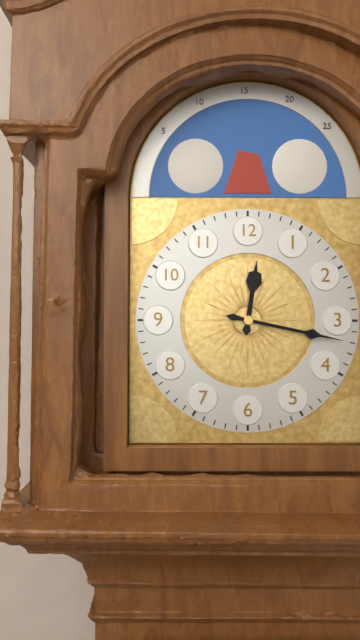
**12:17**
